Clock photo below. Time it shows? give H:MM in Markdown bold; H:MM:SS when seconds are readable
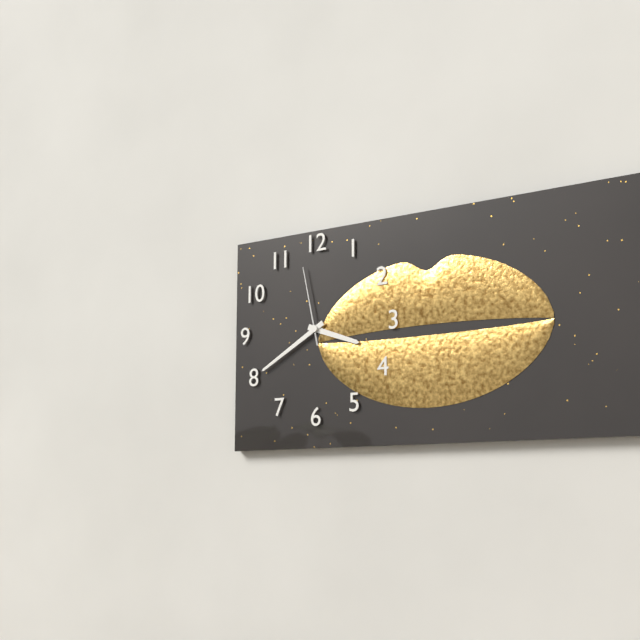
**3:40:58**
